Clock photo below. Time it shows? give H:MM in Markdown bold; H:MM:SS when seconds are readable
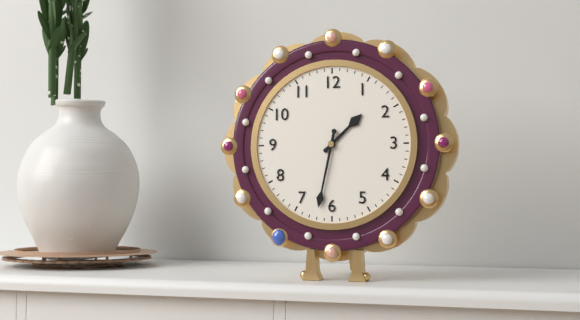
**1:32**
